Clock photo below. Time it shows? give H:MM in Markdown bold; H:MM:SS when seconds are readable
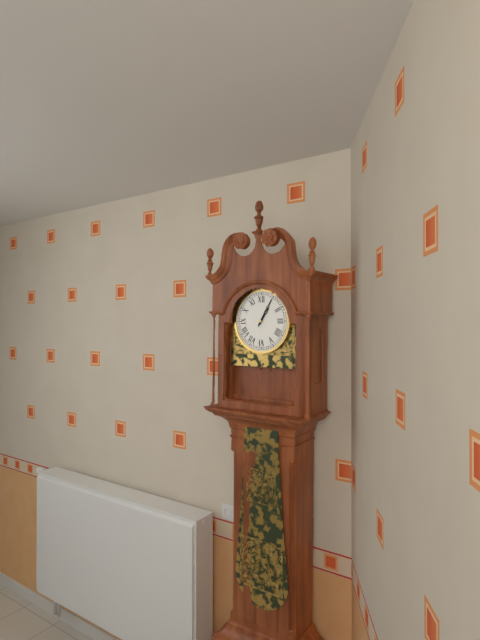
**1:05**
